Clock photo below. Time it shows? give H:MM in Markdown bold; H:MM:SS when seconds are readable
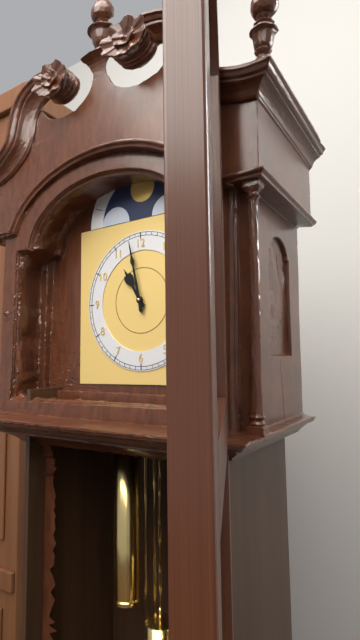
**10:58**
